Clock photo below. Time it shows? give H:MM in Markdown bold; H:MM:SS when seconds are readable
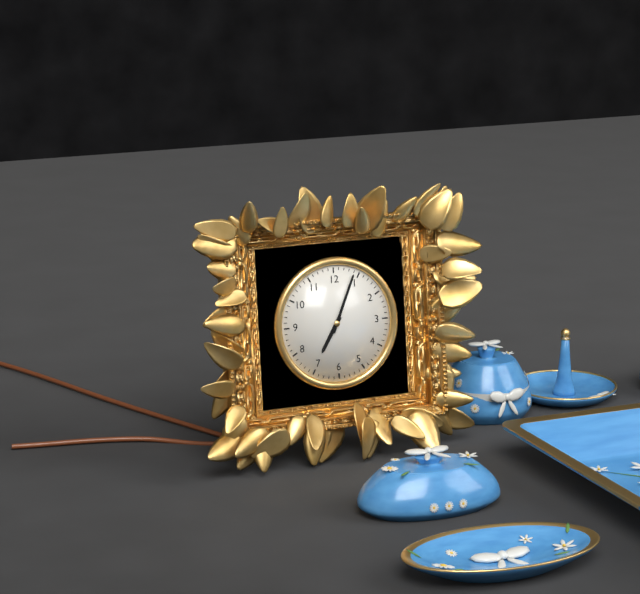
**7:04**
